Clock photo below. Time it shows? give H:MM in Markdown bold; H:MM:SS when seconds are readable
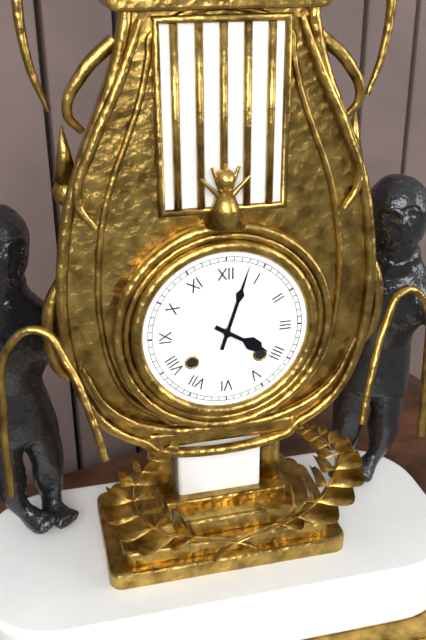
**4:03**
